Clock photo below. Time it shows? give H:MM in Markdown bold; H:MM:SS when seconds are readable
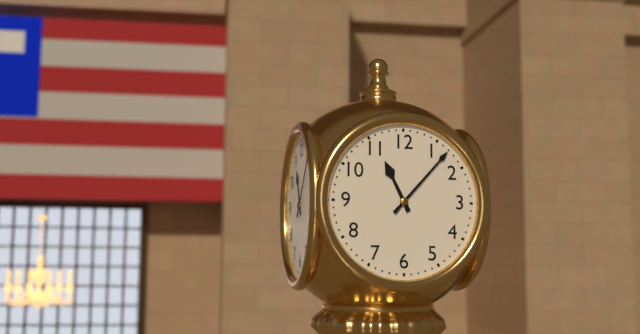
**11:07**
